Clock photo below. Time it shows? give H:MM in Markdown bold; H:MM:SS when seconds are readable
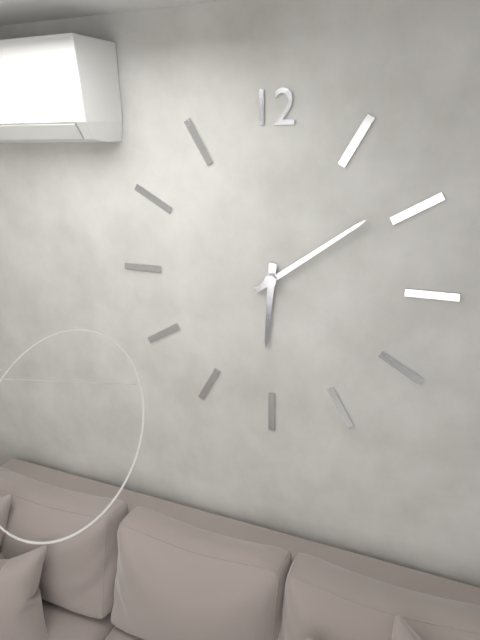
**6:09**
